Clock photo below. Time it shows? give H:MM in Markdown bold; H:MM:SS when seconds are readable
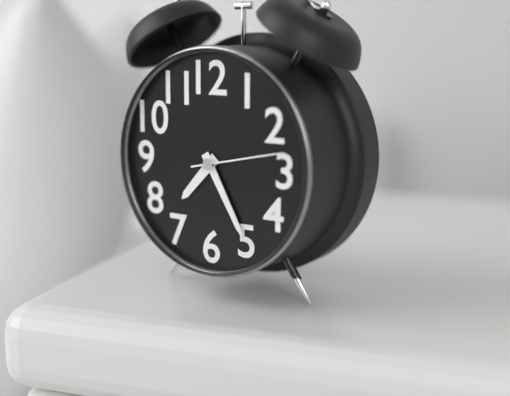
**7:25:13**
